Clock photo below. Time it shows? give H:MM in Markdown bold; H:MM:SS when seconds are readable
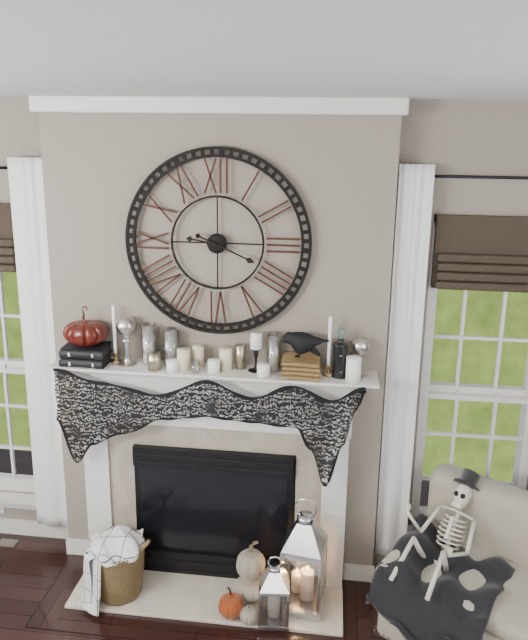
**9:19**
